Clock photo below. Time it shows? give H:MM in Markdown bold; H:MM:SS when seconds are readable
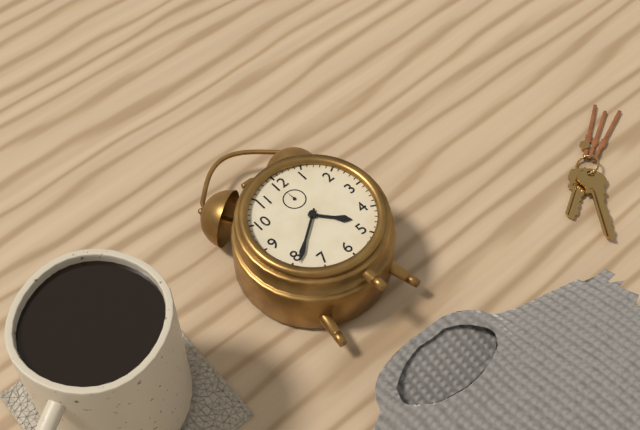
**4:39**
